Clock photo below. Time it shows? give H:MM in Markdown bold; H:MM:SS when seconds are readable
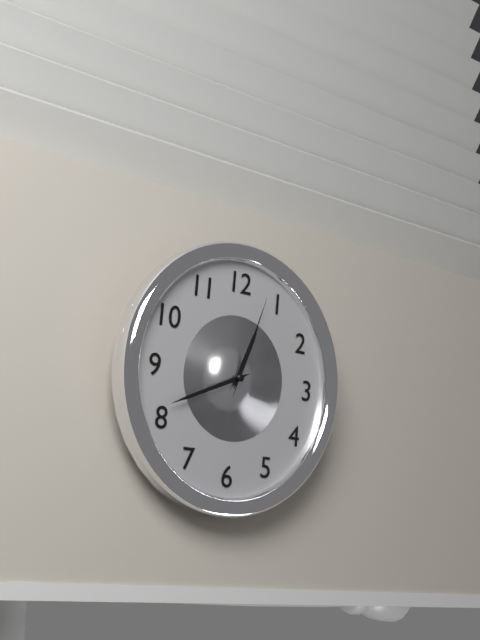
**12:41:03**
